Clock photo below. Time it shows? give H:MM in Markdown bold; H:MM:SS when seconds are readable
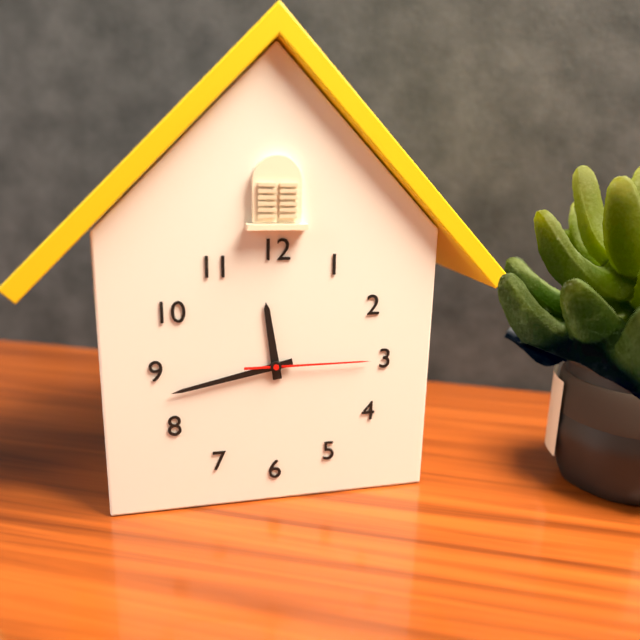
**11:43:15**
